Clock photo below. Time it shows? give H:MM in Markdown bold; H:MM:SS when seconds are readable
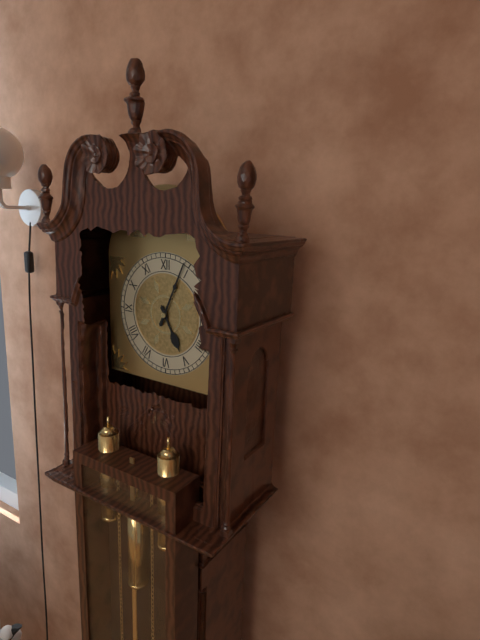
**5:04**
